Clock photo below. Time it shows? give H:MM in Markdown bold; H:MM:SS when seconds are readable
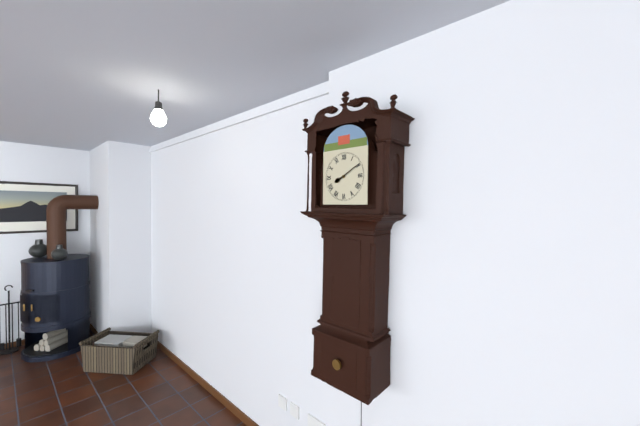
**8:10**
